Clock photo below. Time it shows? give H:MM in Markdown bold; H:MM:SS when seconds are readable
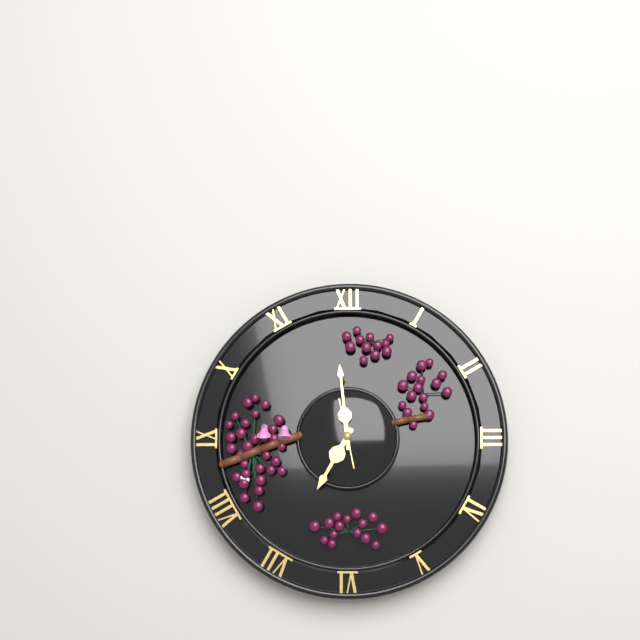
**6:59:58**
